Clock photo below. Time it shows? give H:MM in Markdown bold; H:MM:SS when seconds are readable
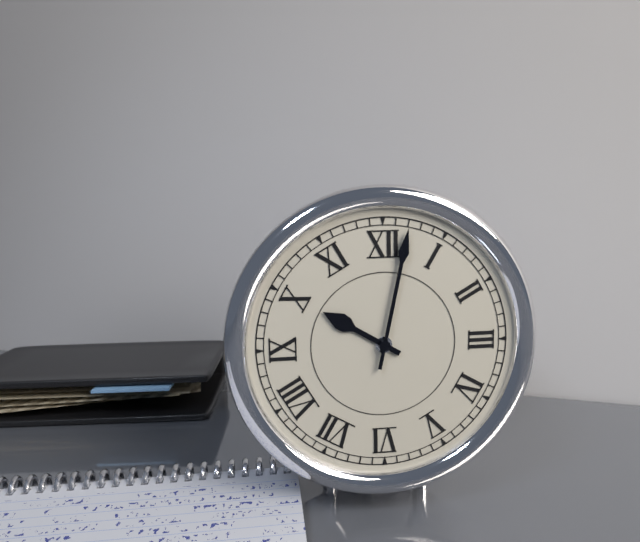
**10:02**
